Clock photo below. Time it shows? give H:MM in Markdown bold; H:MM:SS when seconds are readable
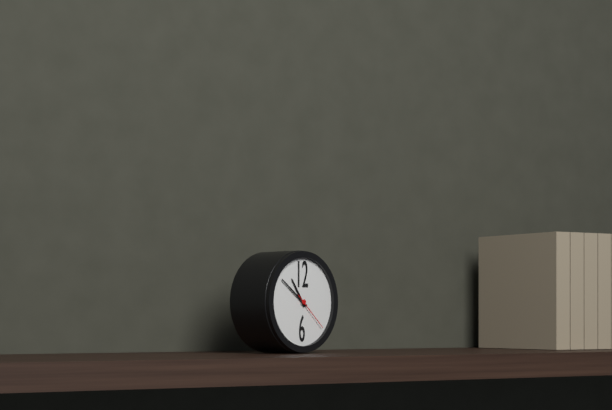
**10:51**
